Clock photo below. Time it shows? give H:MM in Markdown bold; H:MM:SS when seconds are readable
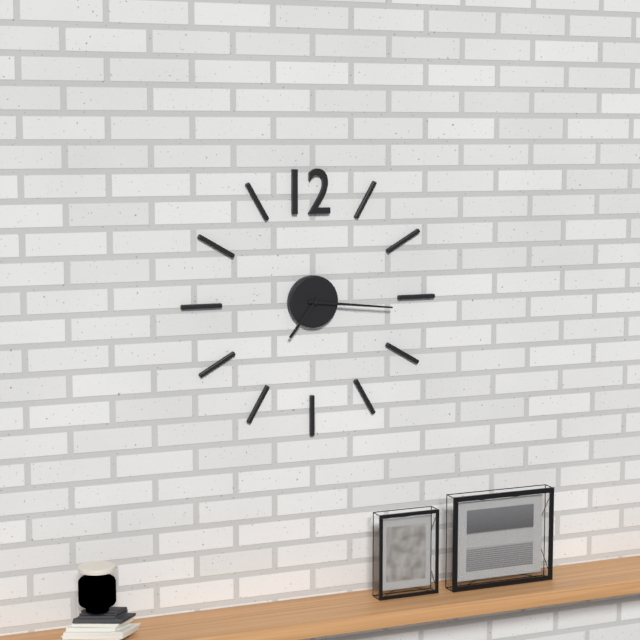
**7:16**
